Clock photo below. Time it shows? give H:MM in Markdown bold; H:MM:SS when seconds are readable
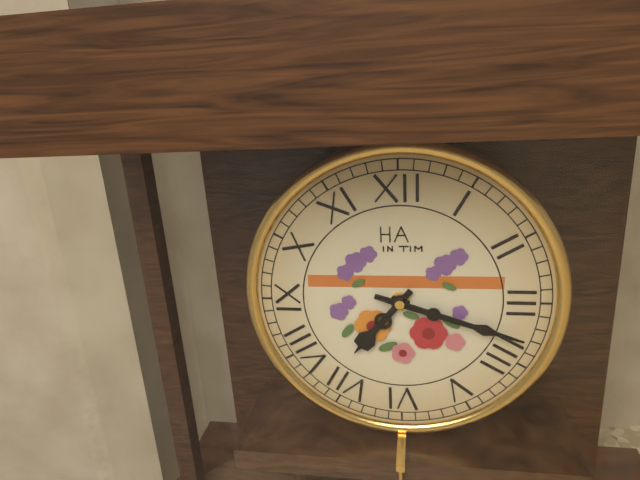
**7:18**
